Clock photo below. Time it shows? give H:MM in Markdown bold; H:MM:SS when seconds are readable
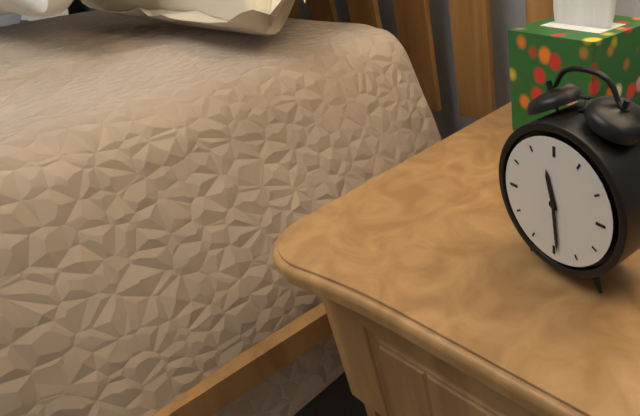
**11:29**
